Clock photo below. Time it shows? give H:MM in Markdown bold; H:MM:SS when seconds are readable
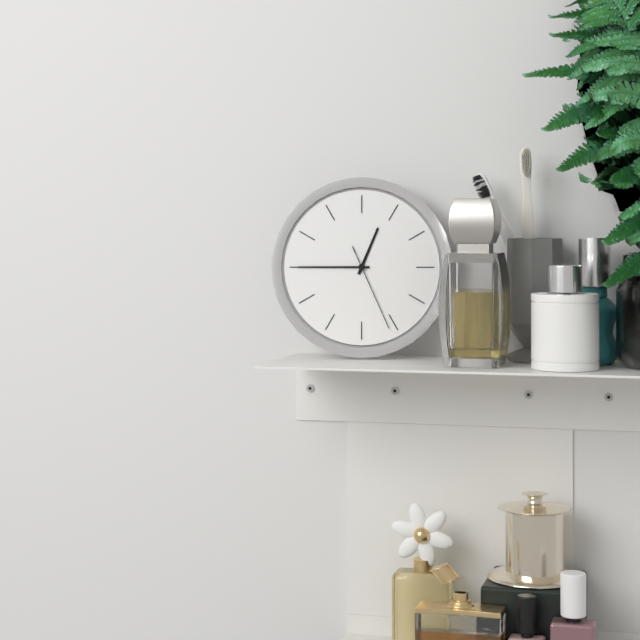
**12:45:26**
